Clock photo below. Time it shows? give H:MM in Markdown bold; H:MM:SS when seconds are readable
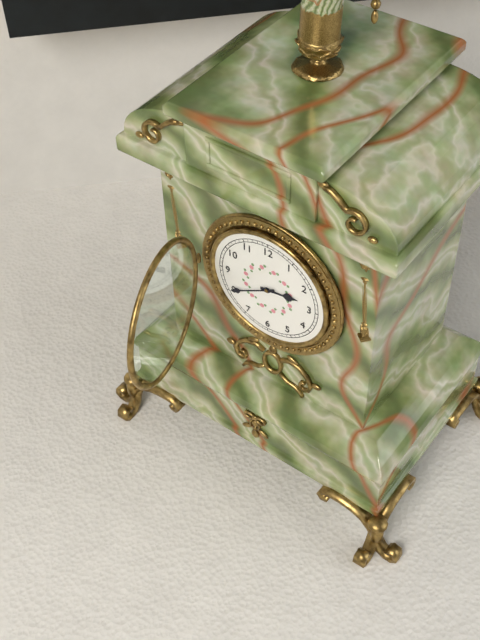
**2:40**
